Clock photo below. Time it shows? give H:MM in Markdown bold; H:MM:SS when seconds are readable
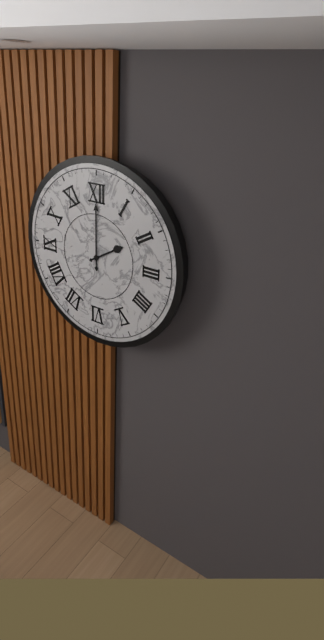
**2:00**
